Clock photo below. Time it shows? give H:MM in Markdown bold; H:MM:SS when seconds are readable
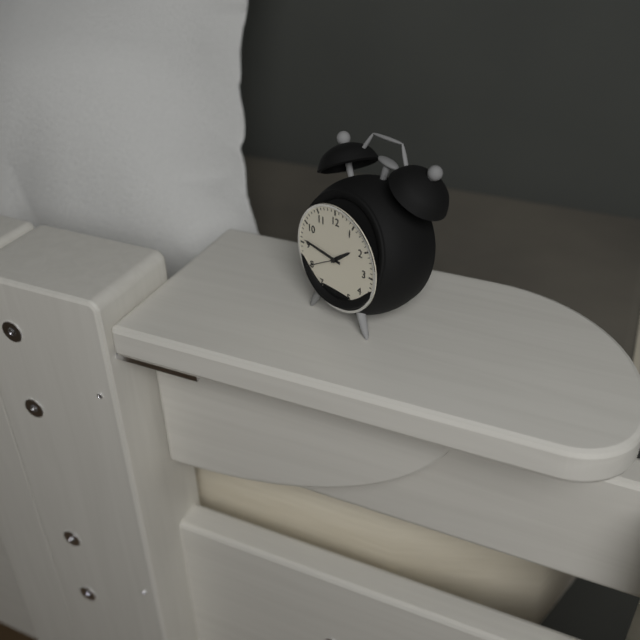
**1:46**
